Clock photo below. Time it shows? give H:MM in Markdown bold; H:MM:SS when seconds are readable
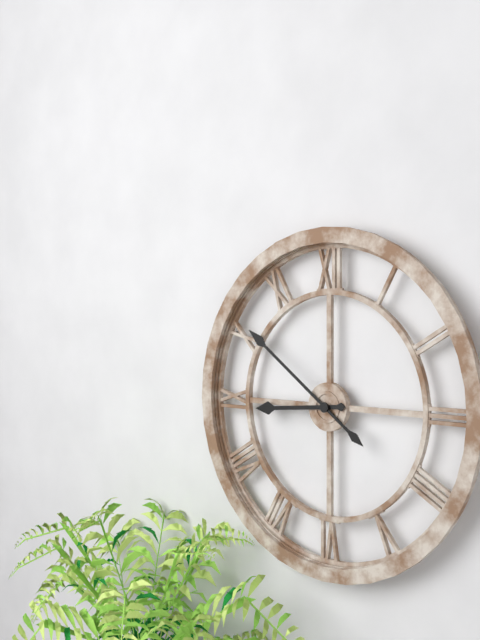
**8:51**
